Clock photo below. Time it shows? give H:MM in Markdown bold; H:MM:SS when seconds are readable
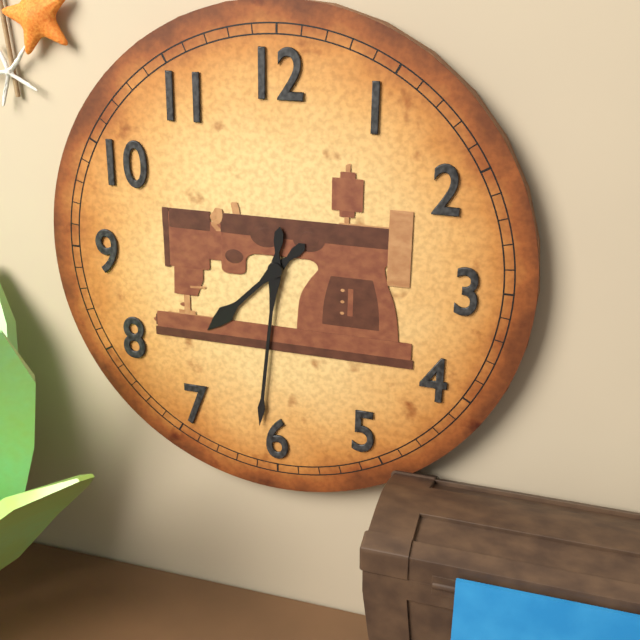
**7:31**
